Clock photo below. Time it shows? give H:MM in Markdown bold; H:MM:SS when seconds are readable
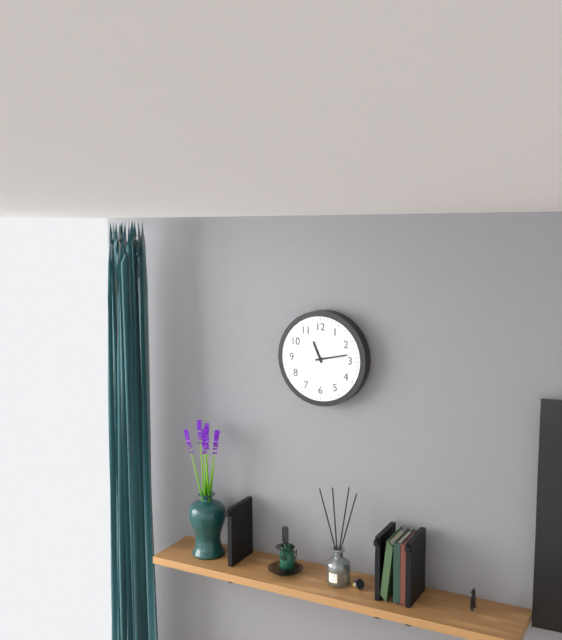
**11:13**
